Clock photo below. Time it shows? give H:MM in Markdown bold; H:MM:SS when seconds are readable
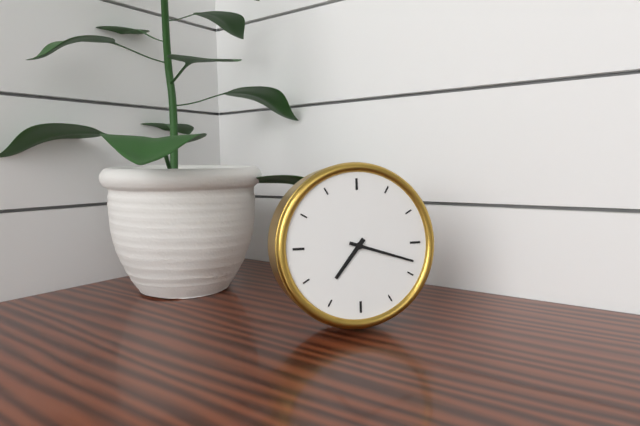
**7:18**
